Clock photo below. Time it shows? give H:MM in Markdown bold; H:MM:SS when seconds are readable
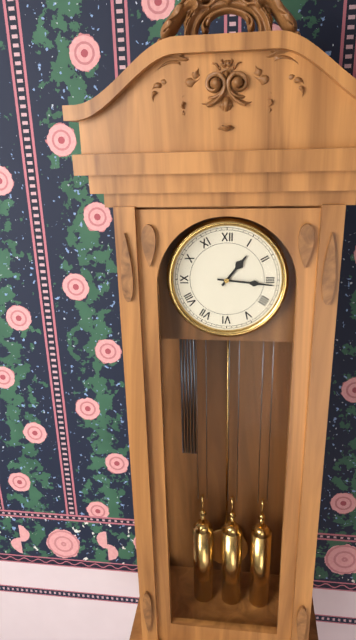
**1:16**
